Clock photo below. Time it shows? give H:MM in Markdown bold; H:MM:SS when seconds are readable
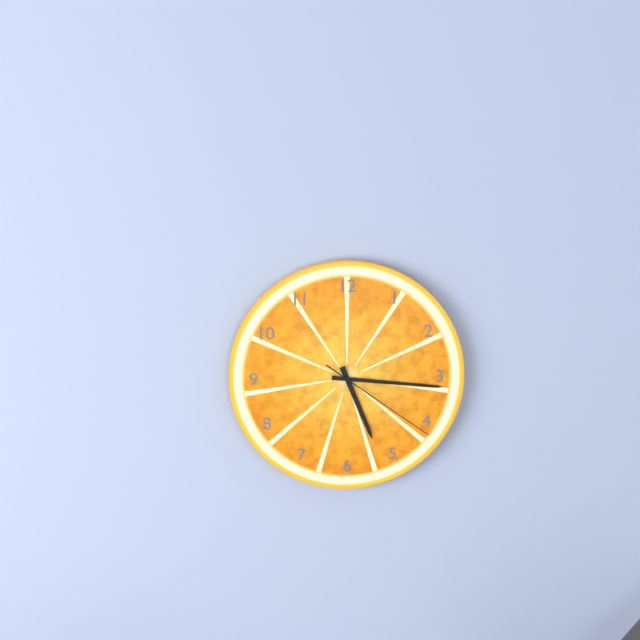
**5:16:21**
